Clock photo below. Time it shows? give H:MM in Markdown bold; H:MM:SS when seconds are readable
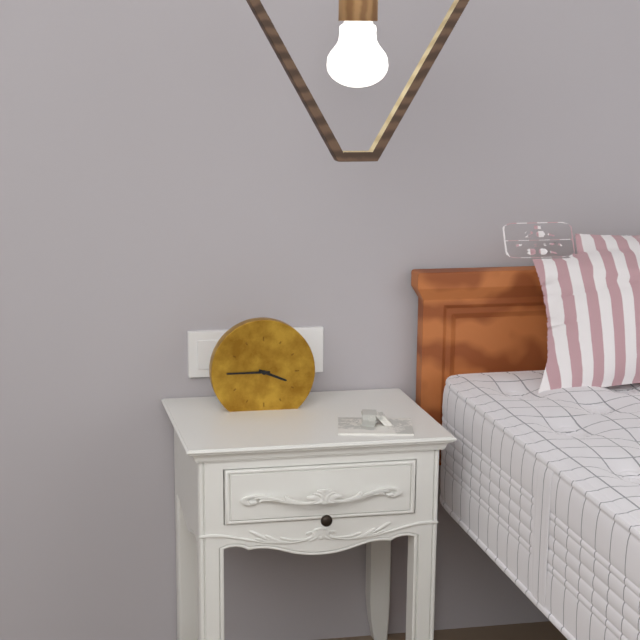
**3:45**
